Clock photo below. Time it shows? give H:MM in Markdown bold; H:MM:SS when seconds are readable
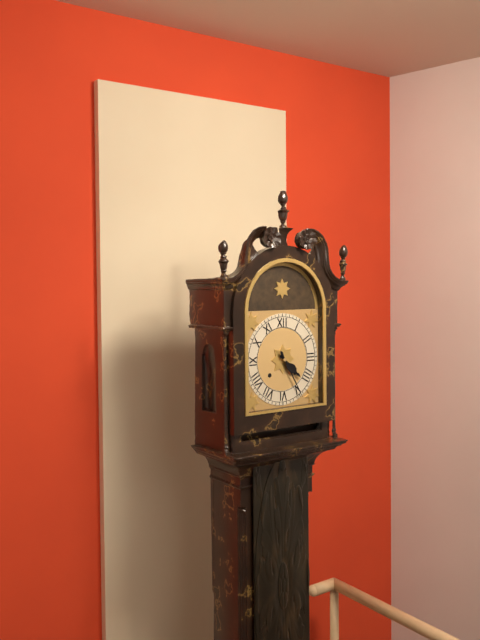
**4:25**
